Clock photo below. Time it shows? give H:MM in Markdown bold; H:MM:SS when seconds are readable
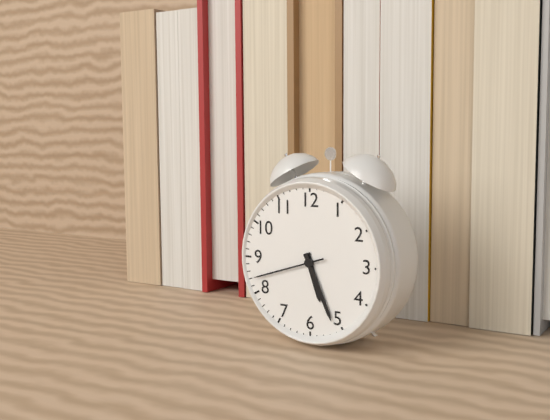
**5:26:42**
